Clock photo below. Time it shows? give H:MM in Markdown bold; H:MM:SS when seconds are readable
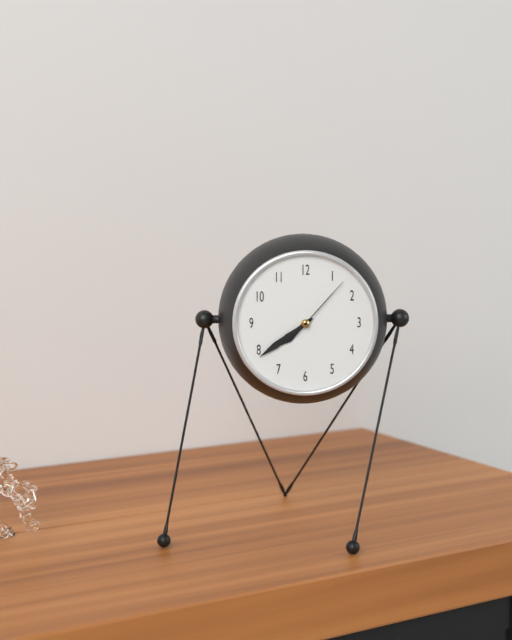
**7:39:07**
